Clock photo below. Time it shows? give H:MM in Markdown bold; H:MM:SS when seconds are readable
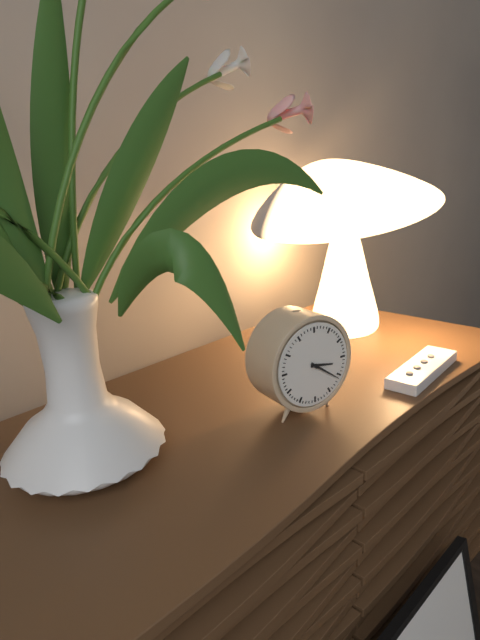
**3:21**
